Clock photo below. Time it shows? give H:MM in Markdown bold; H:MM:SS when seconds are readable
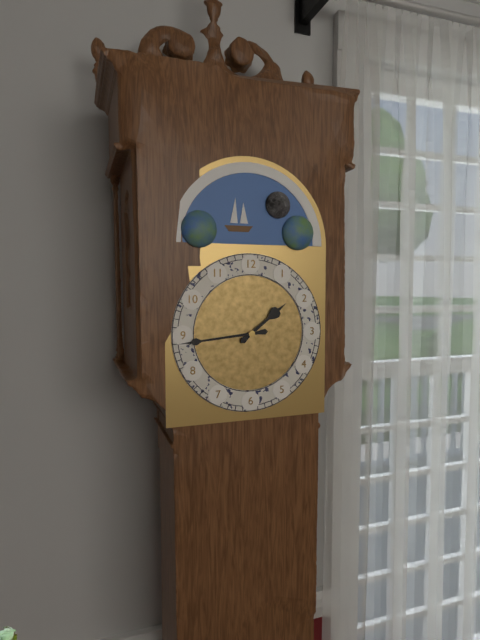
**1:44**
